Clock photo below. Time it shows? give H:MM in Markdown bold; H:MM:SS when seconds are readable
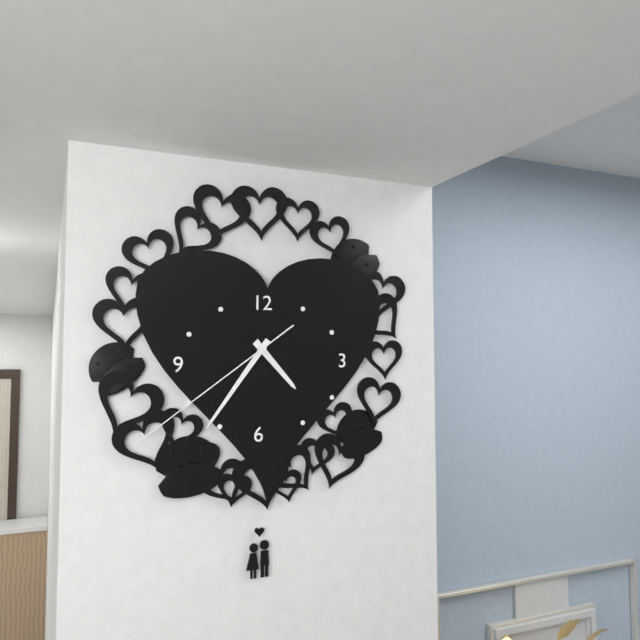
**4:36:39**
